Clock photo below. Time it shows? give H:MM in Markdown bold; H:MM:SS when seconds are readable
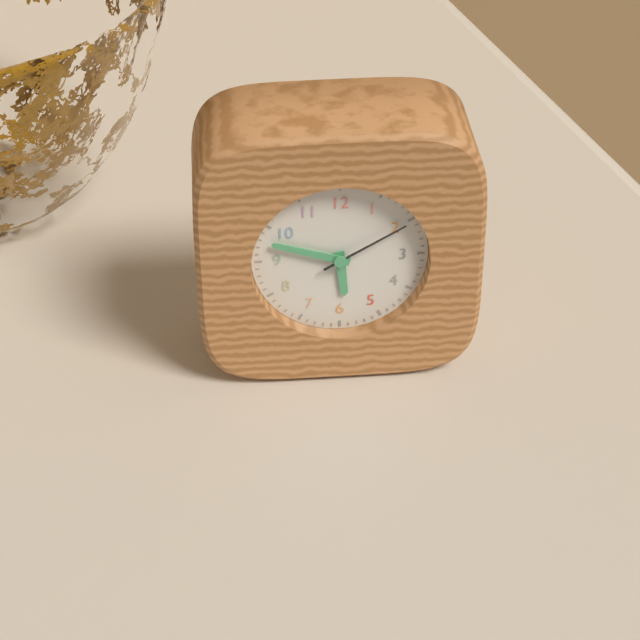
**5:48:10**
